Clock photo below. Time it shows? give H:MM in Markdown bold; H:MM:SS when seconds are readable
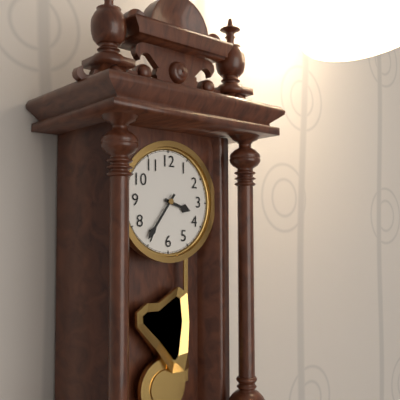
**3:36**
